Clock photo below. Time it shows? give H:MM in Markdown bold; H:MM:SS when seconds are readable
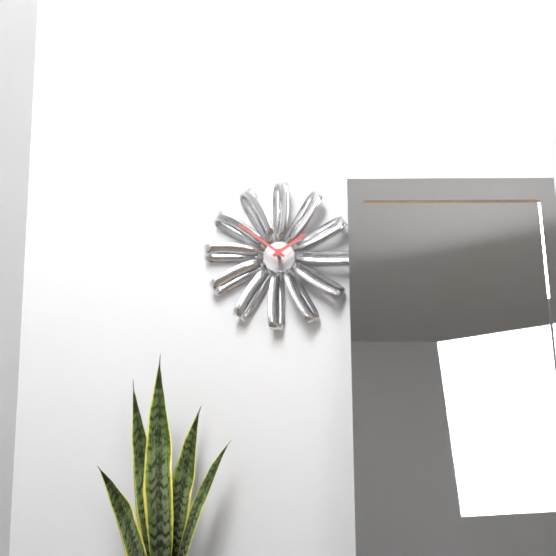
**1:51**
